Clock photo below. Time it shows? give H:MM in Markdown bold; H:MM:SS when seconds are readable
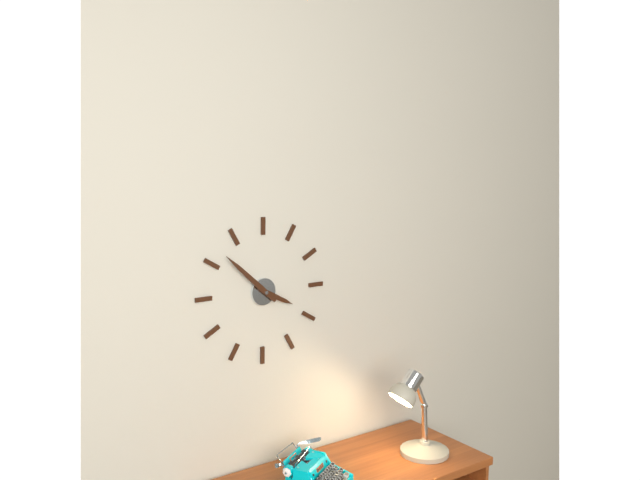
**3:52**
